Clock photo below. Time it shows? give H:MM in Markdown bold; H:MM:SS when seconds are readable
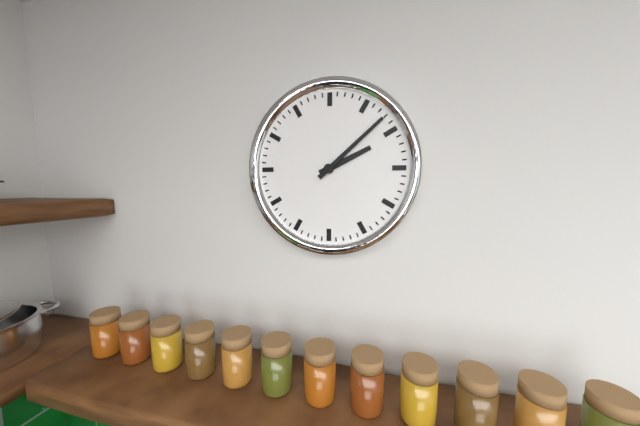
**2:08**
